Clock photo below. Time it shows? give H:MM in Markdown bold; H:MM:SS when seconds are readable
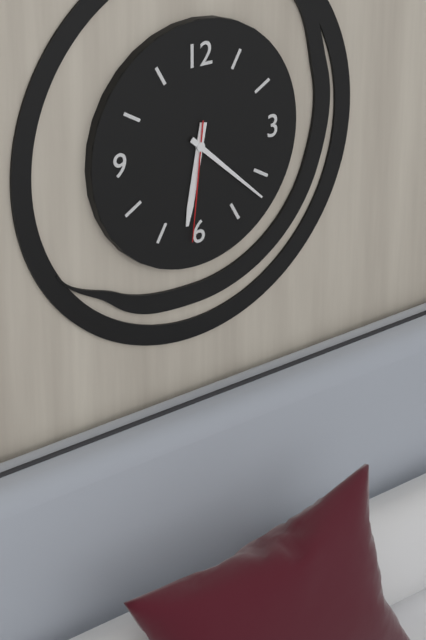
**6:22:31**
